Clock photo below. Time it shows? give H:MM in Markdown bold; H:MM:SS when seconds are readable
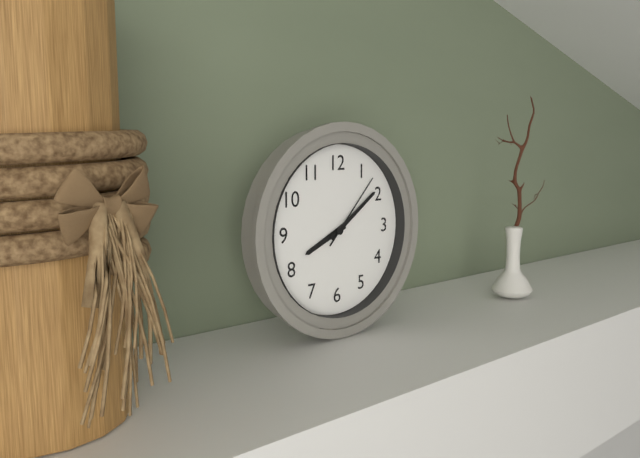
**8:09:07**
